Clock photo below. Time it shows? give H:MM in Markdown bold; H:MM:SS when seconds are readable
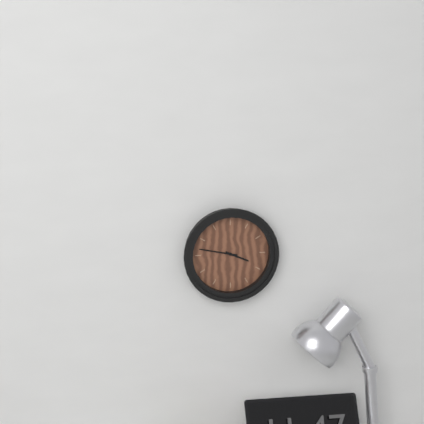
**3:47**
